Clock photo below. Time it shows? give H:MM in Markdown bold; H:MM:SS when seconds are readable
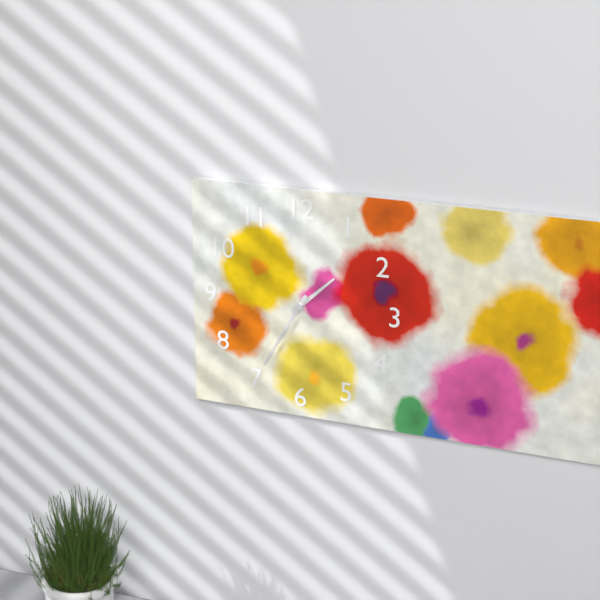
**1:35**
